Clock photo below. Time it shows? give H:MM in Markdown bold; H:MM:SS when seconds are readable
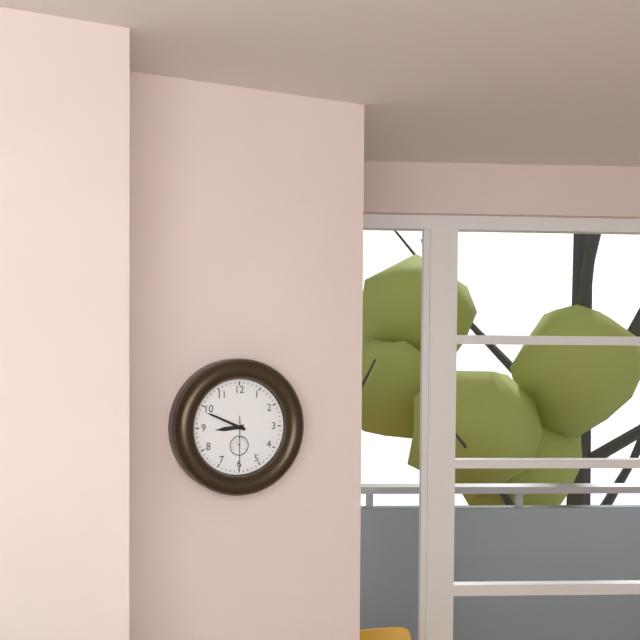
**8:49:30**
